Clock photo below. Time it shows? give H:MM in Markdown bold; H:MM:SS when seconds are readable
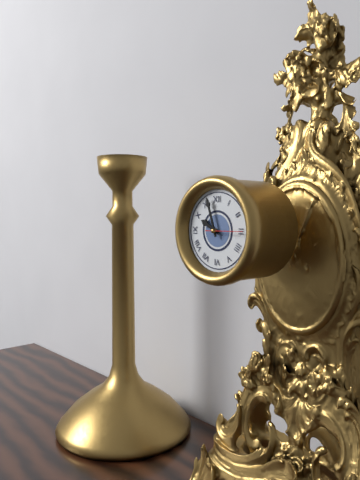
**9:57**
